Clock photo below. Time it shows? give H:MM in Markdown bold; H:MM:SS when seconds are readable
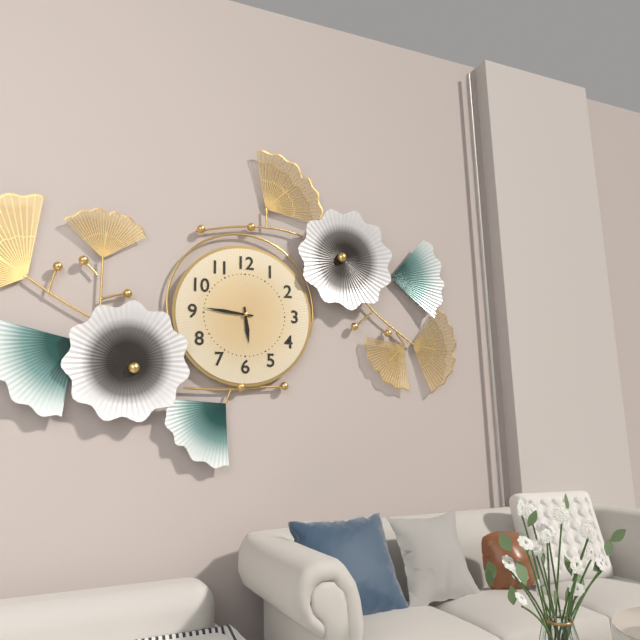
**5:46**
